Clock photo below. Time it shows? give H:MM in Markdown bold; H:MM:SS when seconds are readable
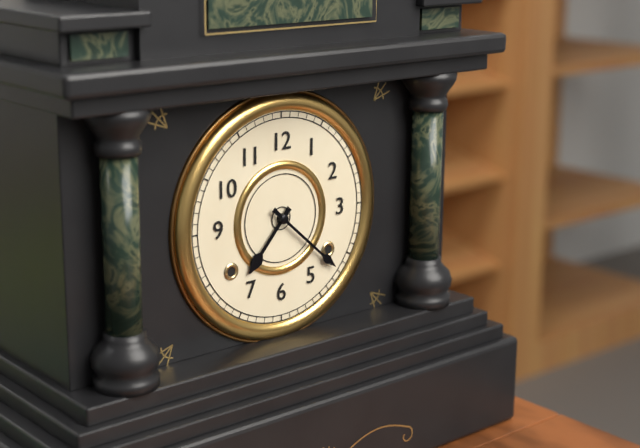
**7:22**
